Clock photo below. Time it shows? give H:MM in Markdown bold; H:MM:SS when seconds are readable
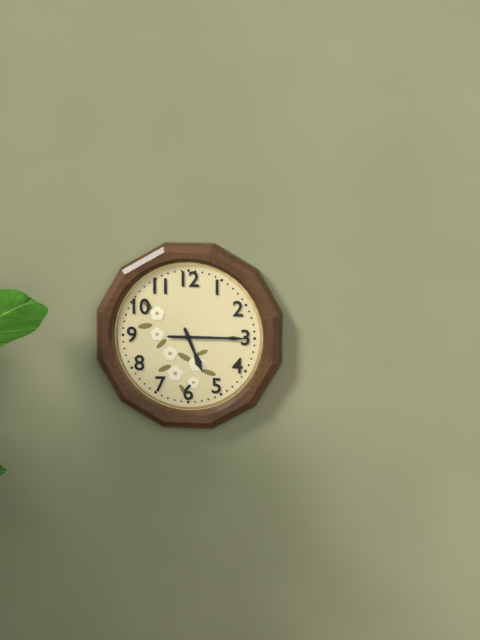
**5:15**
